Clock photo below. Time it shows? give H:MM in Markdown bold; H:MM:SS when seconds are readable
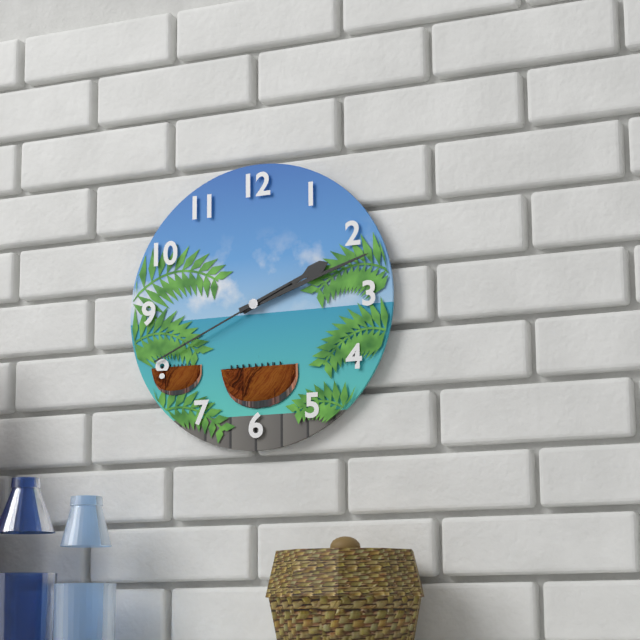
**2:12:41**
